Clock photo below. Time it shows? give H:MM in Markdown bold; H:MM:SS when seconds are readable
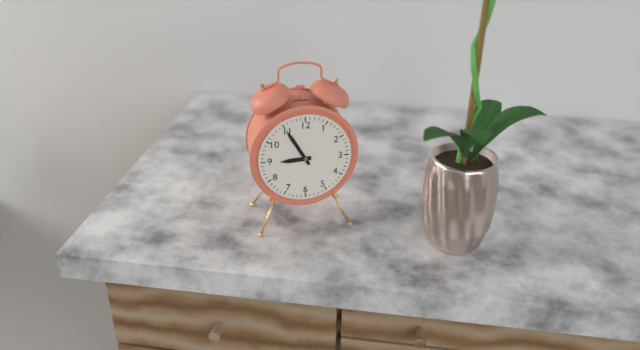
**8:55**
